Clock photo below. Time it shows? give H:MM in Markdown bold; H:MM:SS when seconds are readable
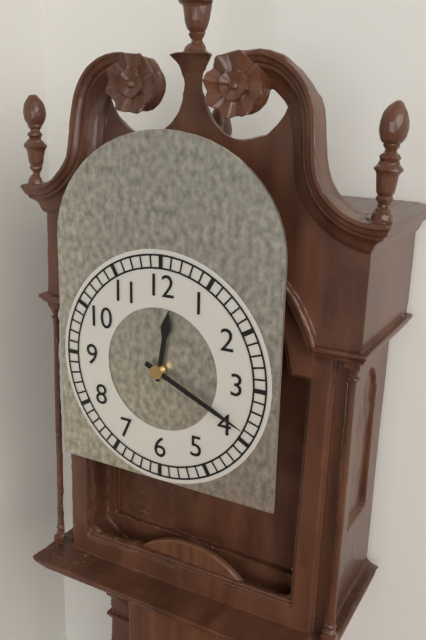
**12:19**
